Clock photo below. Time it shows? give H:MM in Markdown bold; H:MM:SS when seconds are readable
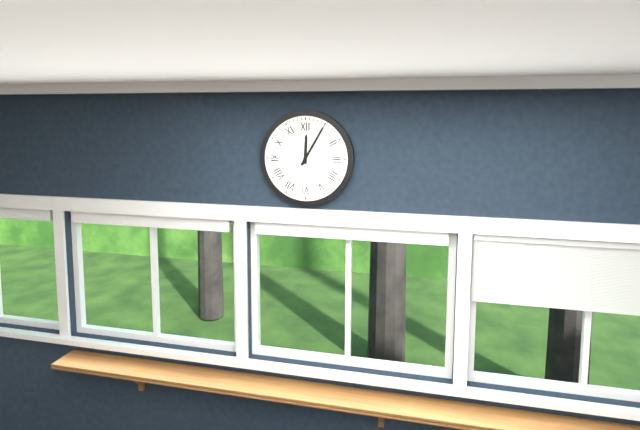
**12:05**
